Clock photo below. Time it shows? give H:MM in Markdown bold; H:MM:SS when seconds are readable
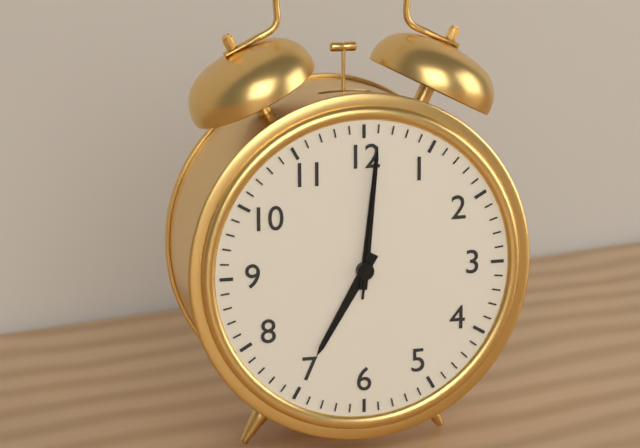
**7:01:01**
